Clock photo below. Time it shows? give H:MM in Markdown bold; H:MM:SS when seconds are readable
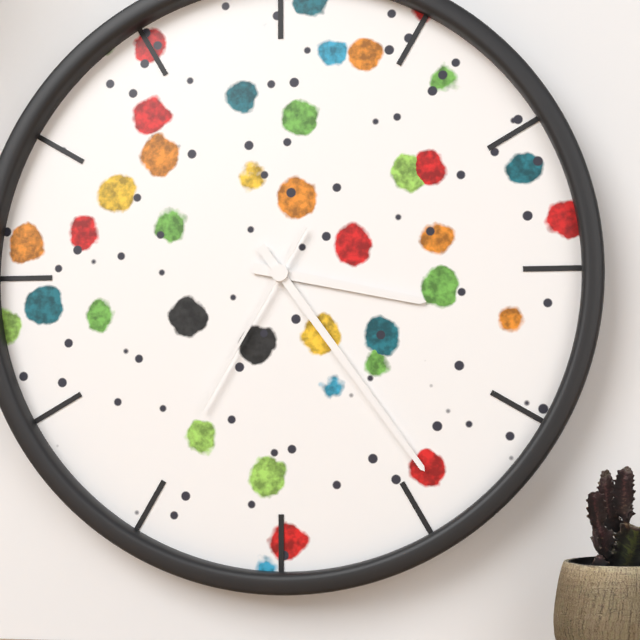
**3:24:35**
